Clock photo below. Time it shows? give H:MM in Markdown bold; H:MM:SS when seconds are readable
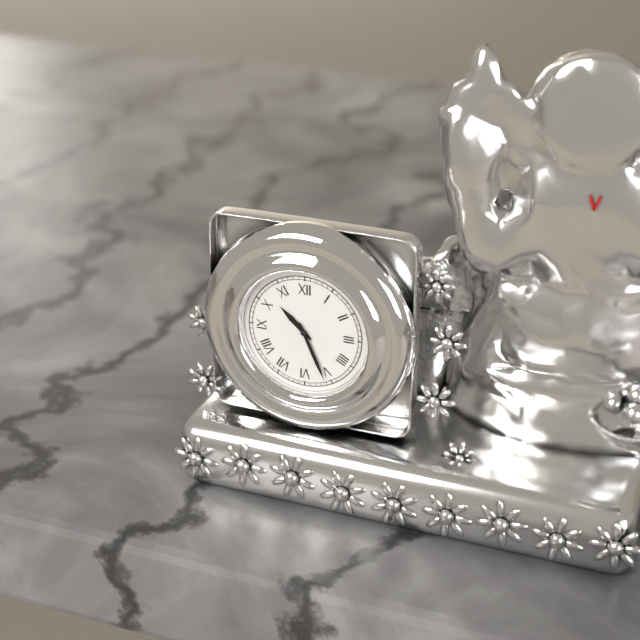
**10:26**
